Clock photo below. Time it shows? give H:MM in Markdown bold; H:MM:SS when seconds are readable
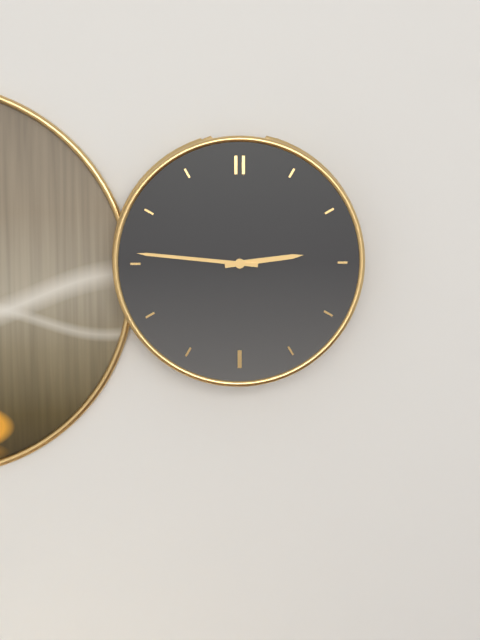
**2:46**
